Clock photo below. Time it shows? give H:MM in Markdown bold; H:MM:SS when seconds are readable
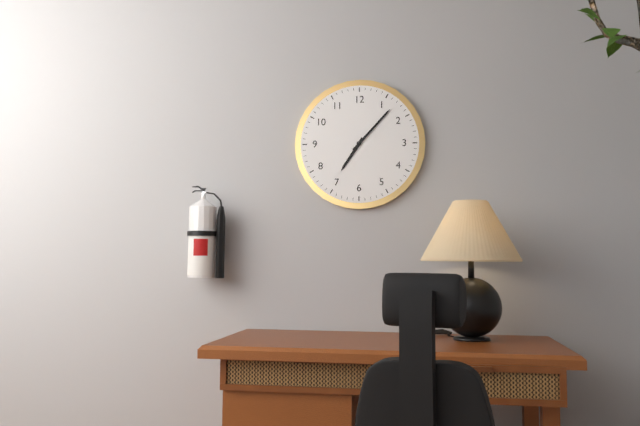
**7:07**
